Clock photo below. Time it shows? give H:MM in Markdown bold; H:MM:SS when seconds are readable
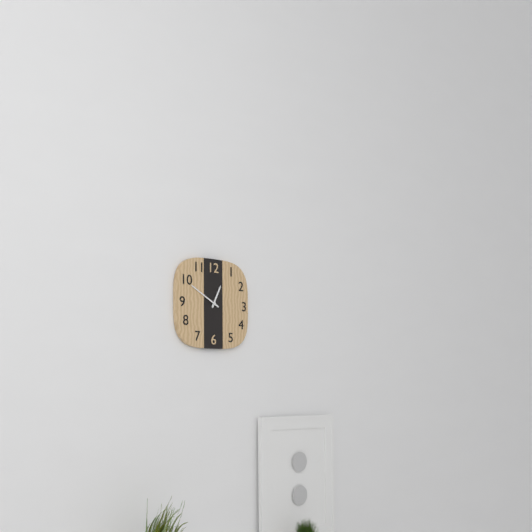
**12:50**
